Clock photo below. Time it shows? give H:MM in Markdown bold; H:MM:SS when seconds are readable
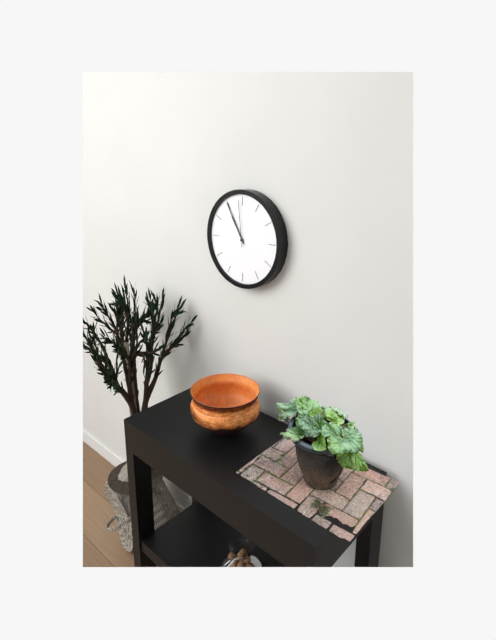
**10:55**
